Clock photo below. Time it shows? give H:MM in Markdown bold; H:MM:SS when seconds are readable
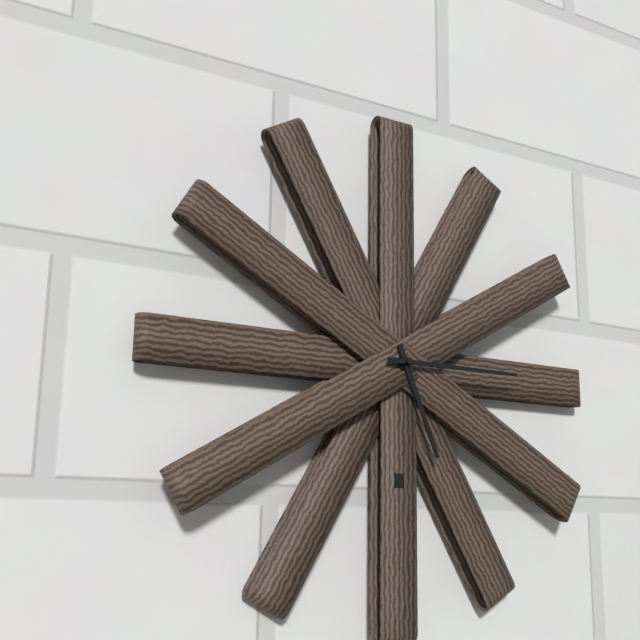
**5:15**
